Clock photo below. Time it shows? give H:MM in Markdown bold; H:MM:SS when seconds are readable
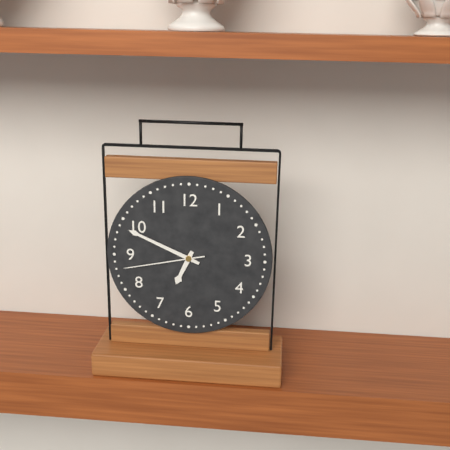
**6:49:43**
